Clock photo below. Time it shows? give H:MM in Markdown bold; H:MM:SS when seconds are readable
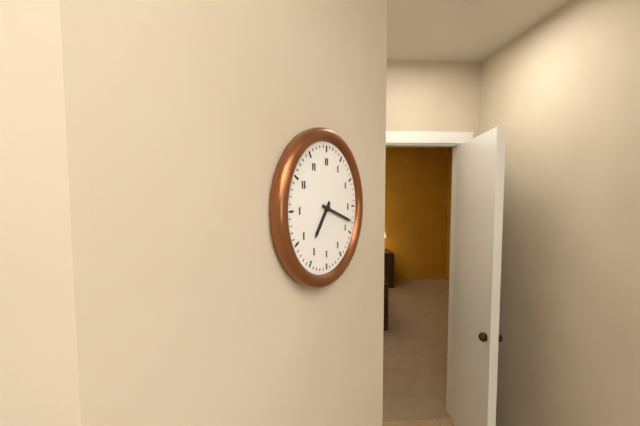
**7:18**
